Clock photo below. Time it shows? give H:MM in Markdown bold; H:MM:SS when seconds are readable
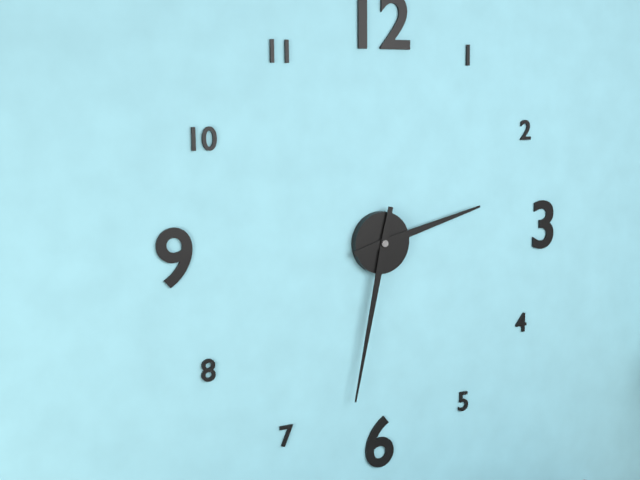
**2:32**
